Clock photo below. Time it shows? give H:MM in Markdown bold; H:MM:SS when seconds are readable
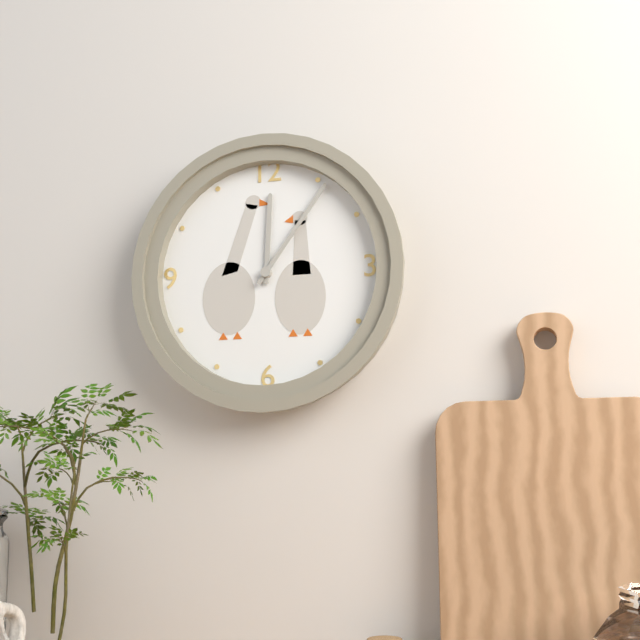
**12:06**
